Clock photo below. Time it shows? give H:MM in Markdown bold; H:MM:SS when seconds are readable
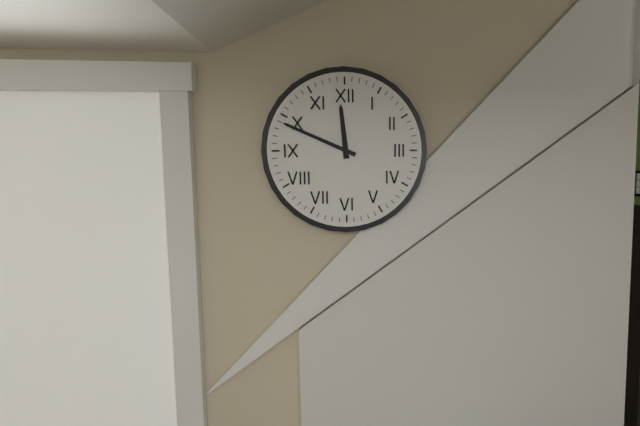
**11:49**
